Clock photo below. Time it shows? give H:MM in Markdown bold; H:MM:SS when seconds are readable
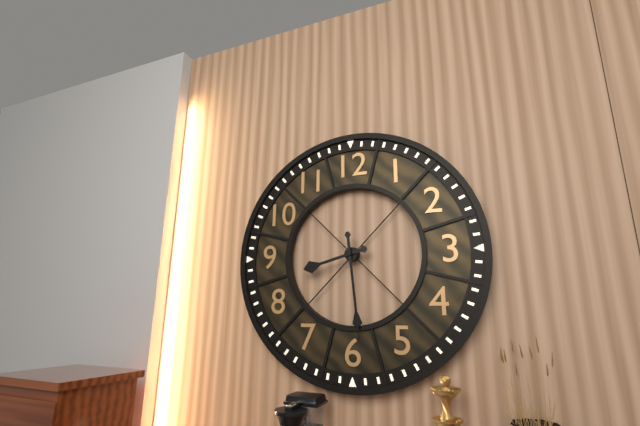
**8:29**
